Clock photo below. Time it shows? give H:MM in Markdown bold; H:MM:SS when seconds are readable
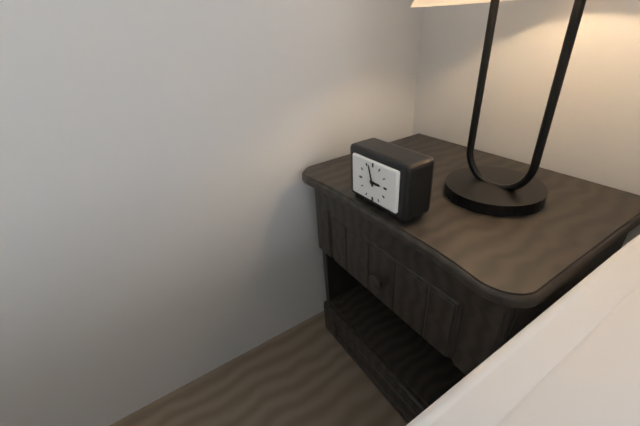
**2:57**
